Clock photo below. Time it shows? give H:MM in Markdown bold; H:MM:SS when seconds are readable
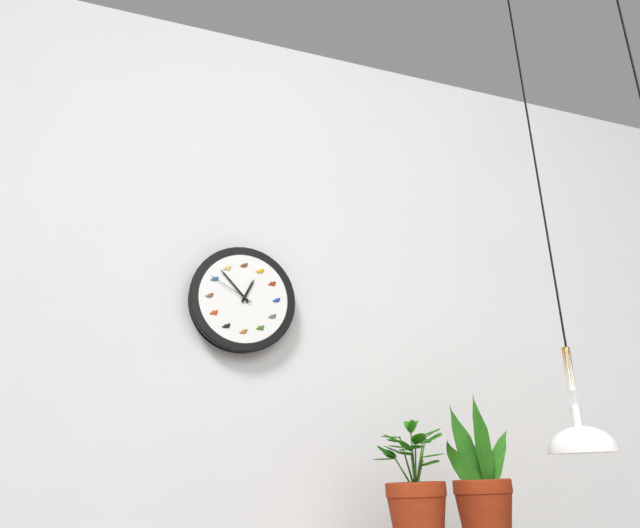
**12:53:50**
